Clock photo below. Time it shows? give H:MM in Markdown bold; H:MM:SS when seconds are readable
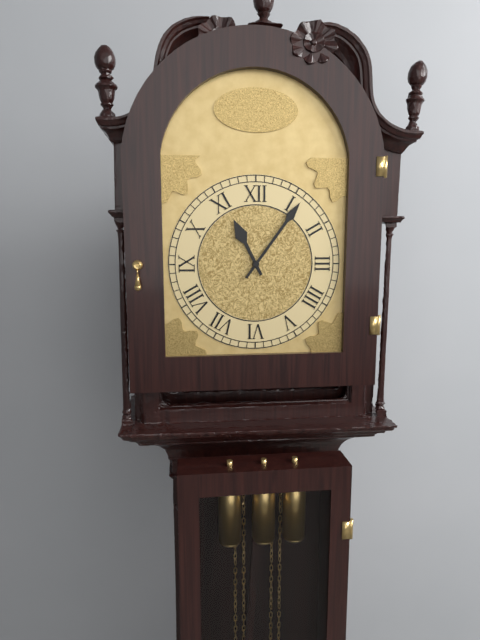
**11:06**
